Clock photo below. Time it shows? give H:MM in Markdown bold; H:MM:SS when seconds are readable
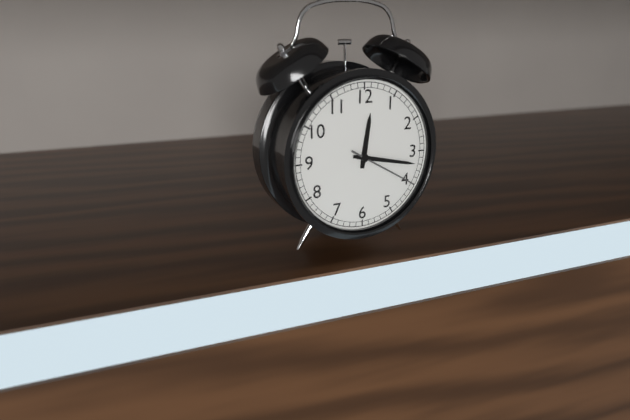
**12:17:20**
